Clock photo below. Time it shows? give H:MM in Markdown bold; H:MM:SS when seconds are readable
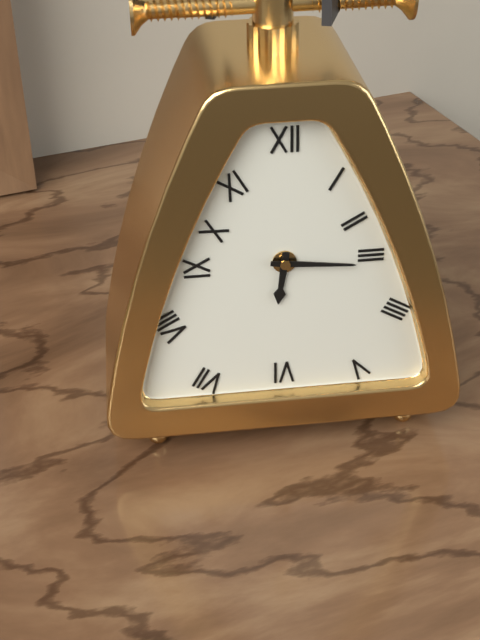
**6:16**
